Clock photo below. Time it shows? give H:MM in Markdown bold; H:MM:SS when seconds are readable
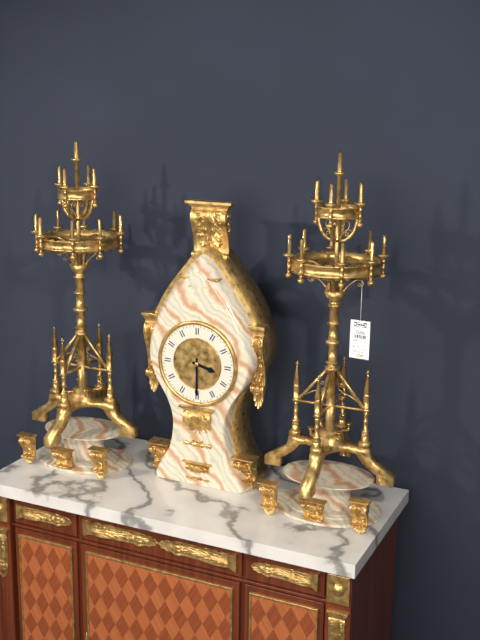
**3:30**
